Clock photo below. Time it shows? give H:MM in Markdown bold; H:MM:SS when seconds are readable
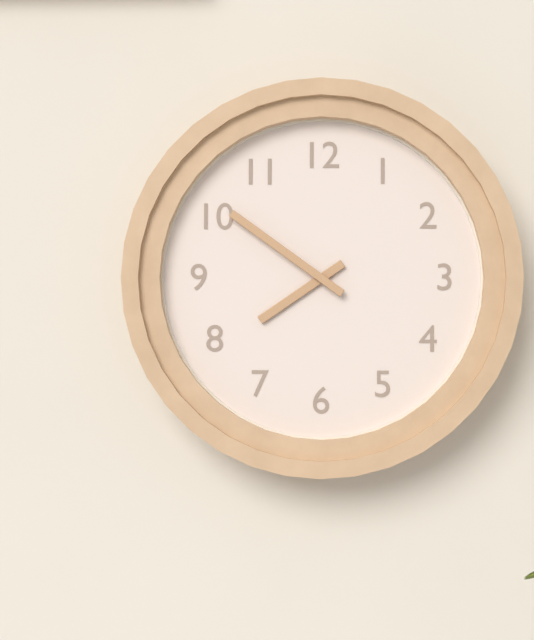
**7:51**
